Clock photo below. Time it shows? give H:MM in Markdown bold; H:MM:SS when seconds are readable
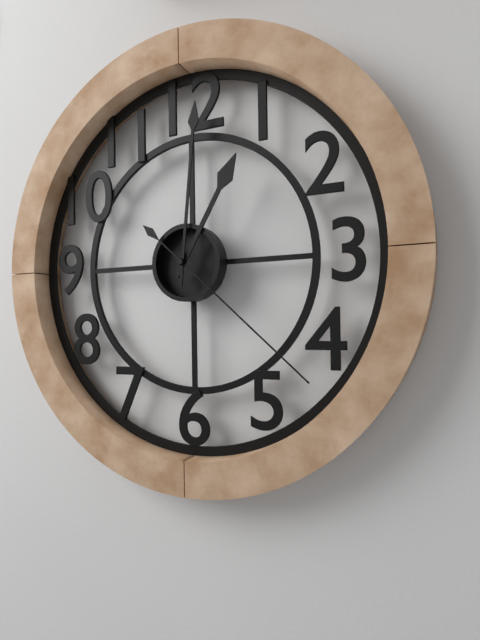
**1:01:22**
